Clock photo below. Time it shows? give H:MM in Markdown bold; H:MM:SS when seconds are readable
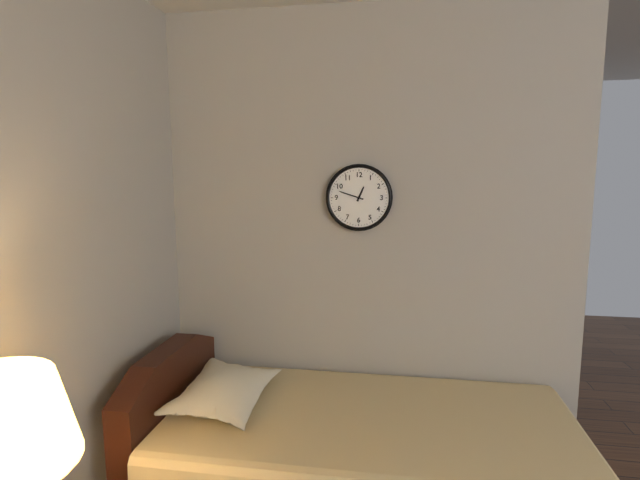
**12:48**
